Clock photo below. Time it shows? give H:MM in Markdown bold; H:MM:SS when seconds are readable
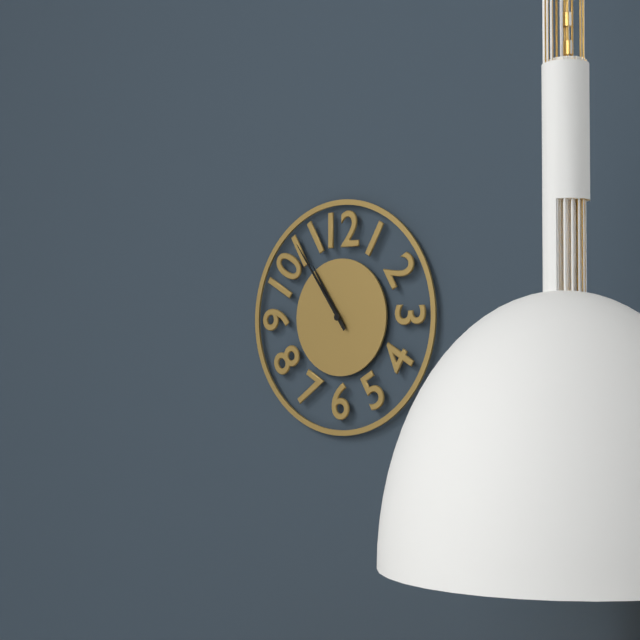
**10:54**
